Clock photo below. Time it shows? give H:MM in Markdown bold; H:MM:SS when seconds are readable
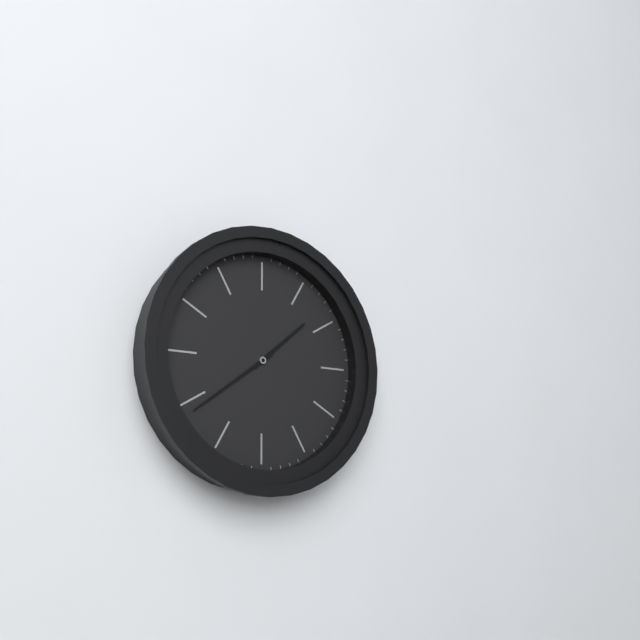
**1:39**
